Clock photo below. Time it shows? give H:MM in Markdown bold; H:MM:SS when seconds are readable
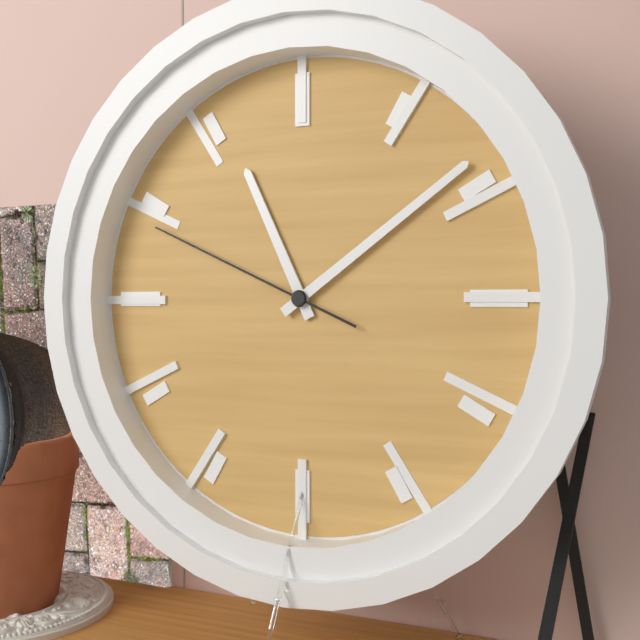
**11:09:49**
